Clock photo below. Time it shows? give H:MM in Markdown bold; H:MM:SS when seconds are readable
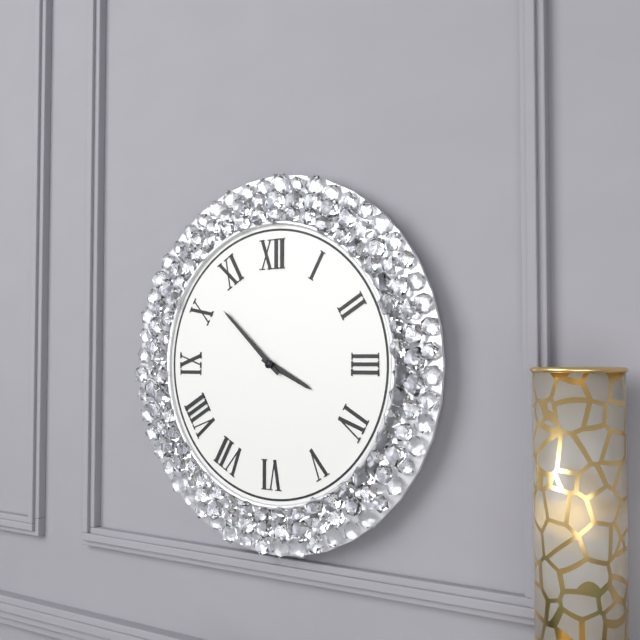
**3:52**
